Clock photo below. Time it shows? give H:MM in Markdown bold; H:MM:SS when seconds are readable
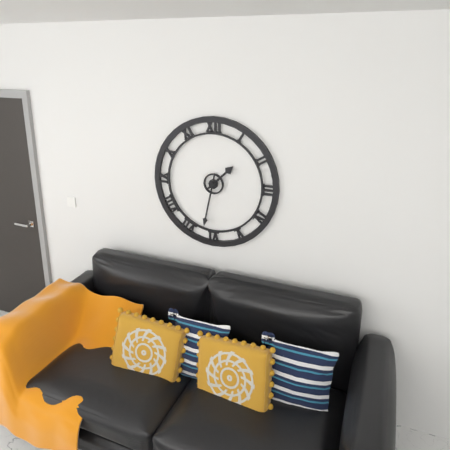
**1:32**
